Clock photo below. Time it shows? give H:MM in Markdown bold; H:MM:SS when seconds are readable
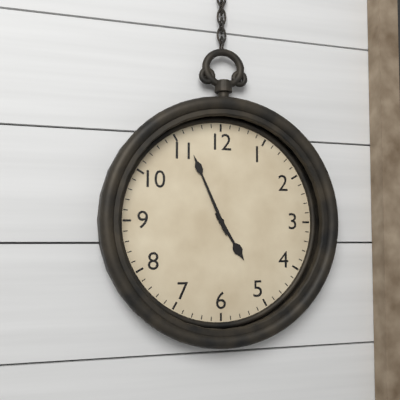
**4:56**
